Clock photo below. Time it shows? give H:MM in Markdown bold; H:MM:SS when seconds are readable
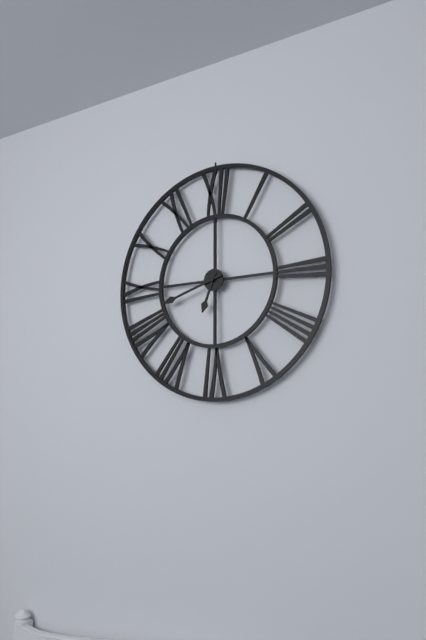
**6:42**
